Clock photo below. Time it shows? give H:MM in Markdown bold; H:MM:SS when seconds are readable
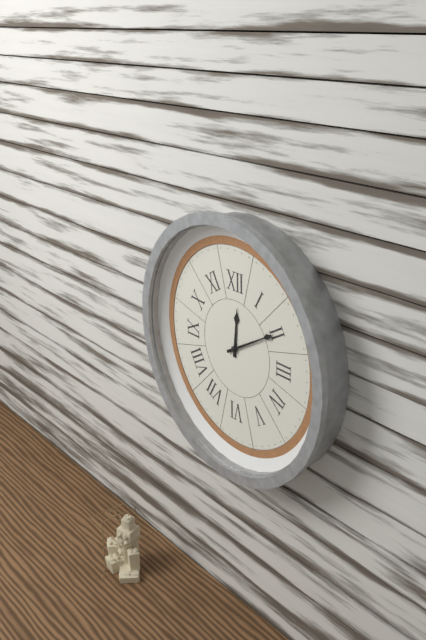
**12:10**
